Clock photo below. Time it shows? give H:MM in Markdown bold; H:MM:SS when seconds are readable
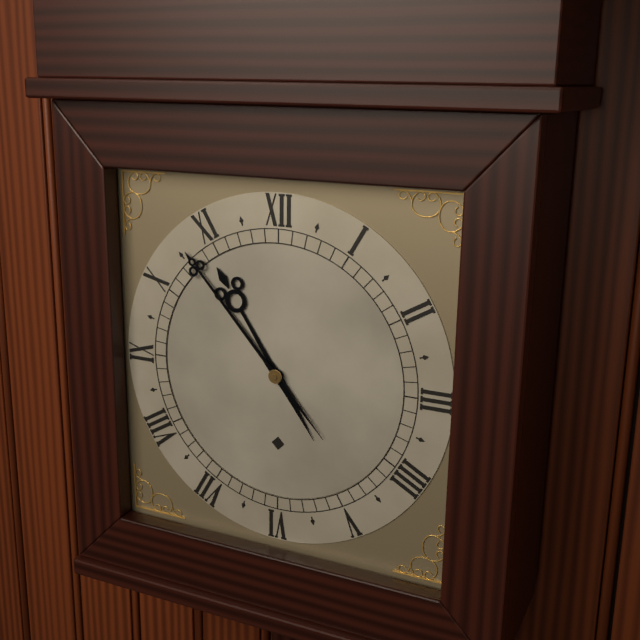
**10:53**
